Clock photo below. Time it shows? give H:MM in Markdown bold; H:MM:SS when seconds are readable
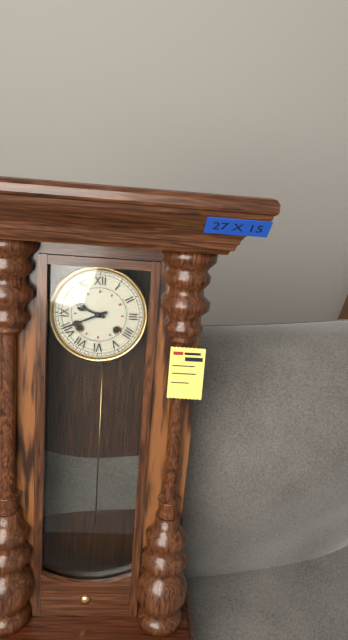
**9:41**
